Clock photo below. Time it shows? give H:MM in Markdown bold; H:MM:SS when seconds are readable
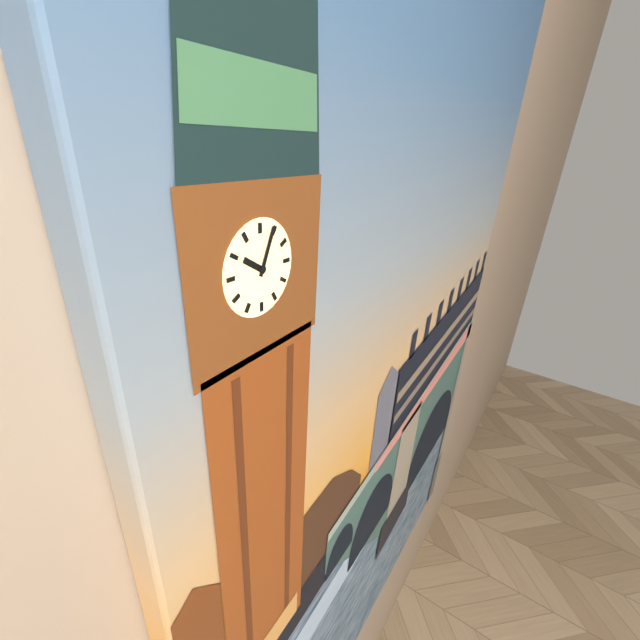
**10:04**
